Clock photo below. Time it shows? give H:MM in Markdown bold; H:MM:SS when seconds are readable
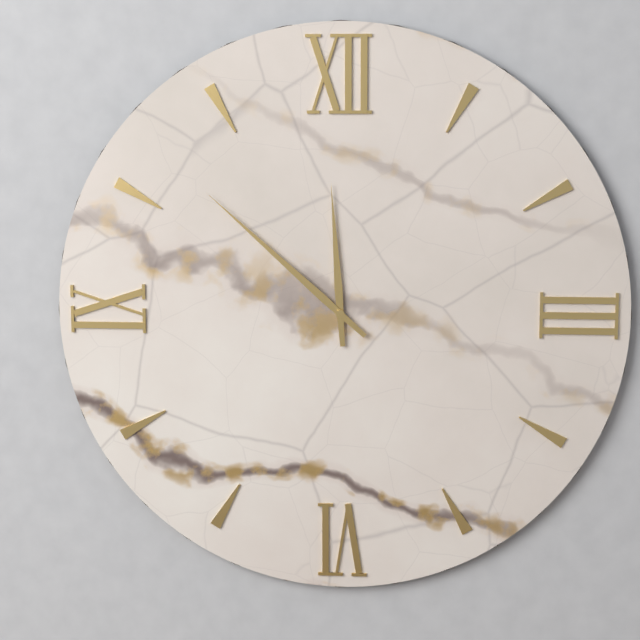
**11:52**
